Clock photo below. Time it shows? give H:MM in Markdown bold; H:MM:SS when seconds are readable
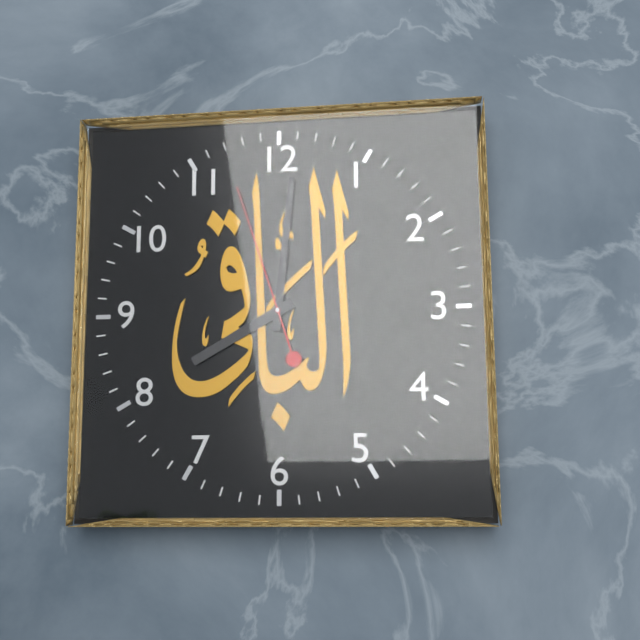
**8:01:57**
